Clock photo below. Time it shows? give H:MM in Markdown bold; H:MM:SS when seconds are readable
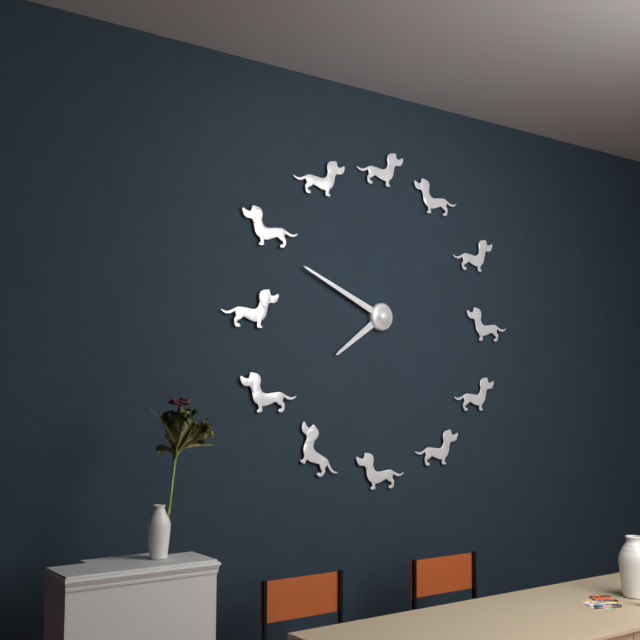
**7:49**
